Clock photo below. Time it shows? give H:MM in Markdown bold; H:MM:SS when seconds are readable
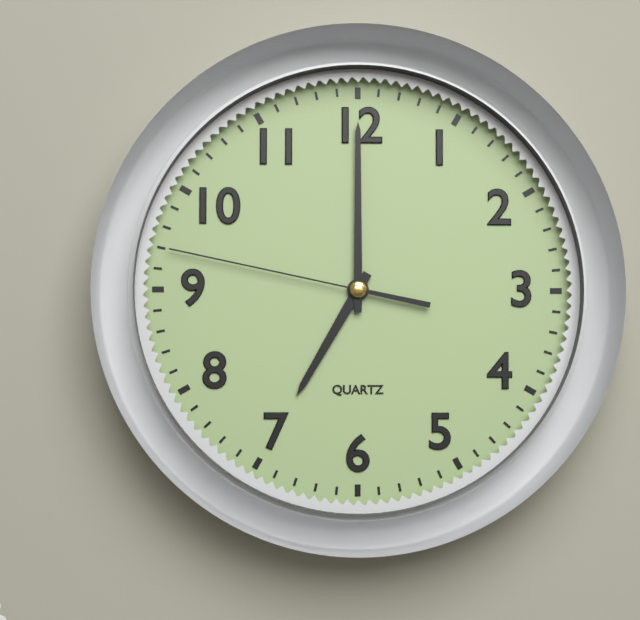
**7:00:47**
